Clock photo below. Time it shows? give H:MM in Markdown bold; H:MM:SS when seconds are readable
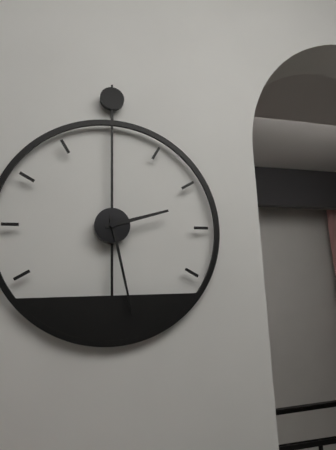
**2:28**
